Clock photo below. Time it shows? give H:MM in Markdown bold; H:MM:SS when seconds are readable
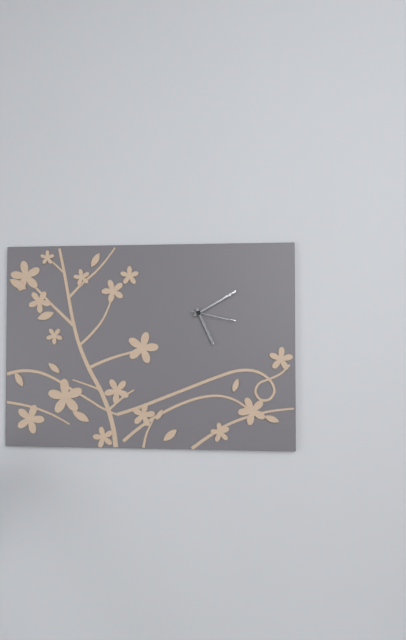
**5:10**
